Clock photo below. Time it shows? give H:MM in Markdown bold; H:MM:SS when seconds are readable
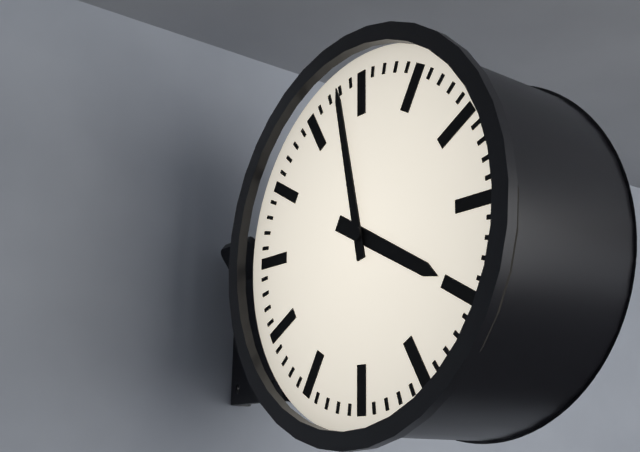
**3:58**
